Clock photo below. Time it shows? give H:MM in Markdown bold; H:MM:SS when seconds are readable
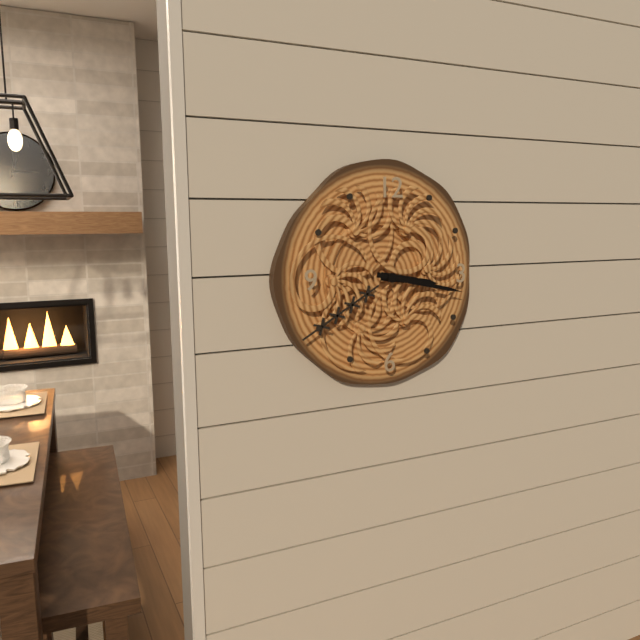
**3:17**
